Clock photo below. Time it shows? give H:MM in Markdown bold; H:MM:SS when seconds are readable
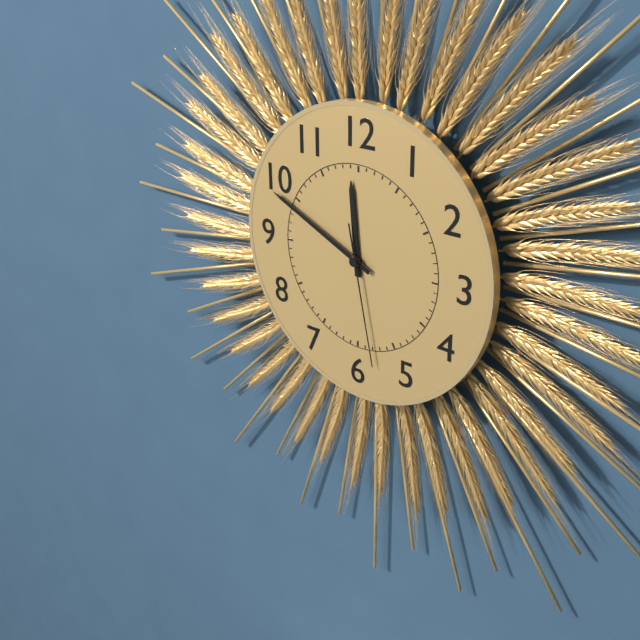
**11:49:28**
